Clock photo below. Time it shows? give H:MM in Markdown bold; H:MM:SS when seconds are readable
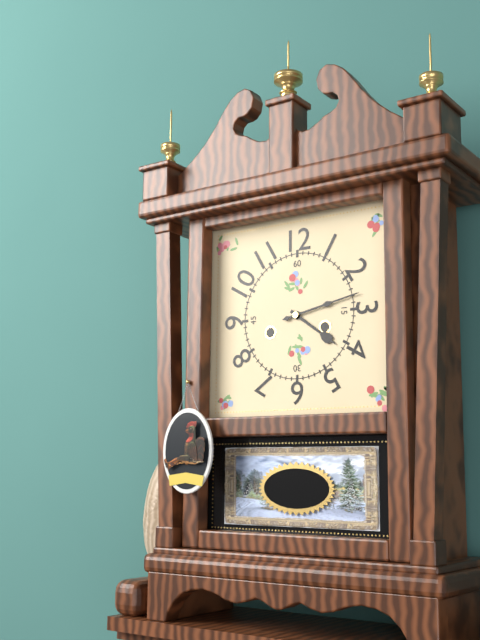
**4:13**
